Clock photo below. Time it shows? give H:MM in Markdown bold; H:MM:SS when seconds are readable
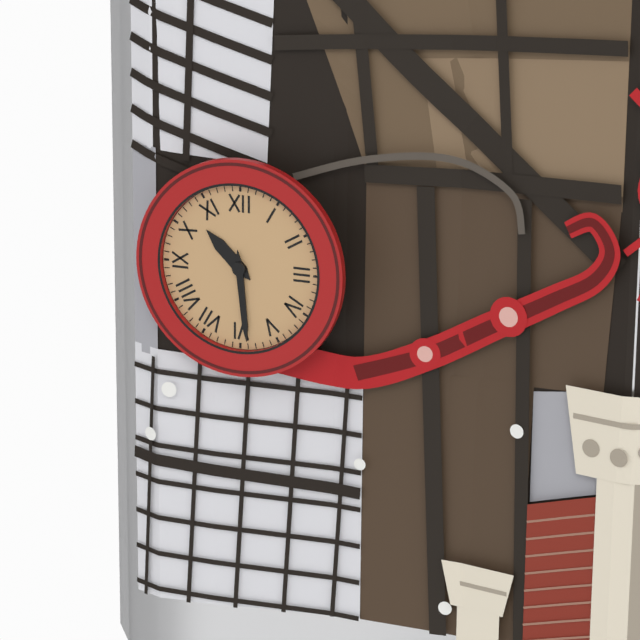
**10:29**
